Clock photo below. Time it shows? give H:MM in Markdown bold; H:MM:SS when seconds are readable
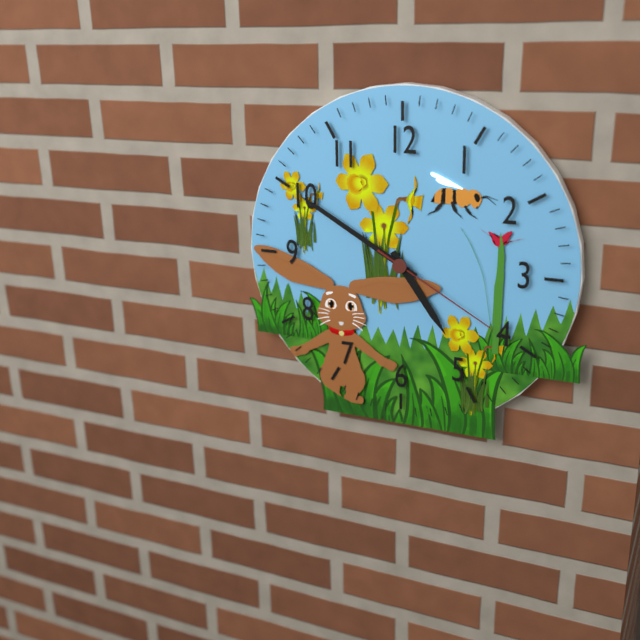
**4:50:20**
